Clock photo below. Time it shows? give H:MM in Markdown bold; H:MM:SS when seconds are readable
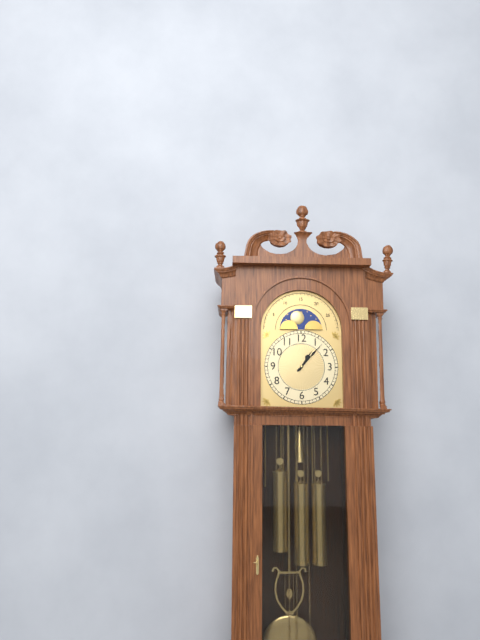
**1:07**
